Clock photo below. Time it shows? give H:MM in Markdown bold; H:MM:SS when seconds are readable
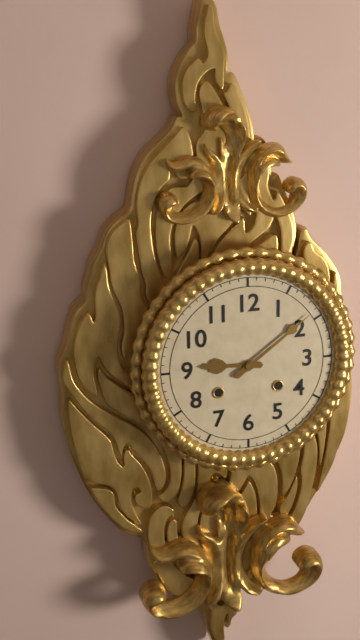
**9:09**
